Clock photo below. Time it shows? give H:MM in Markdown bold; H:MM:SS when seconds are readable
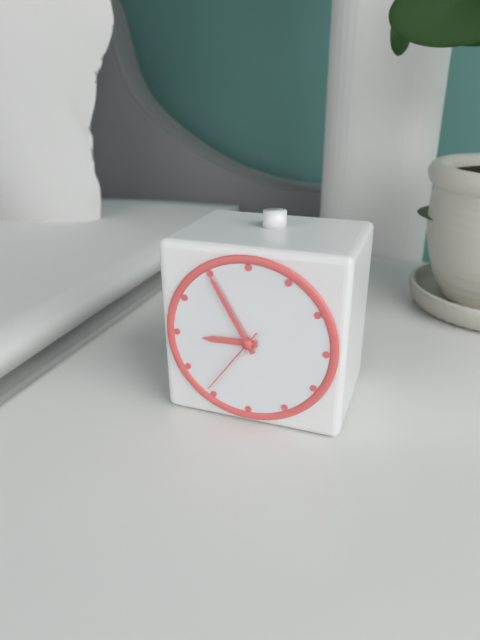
**8:55:36**
